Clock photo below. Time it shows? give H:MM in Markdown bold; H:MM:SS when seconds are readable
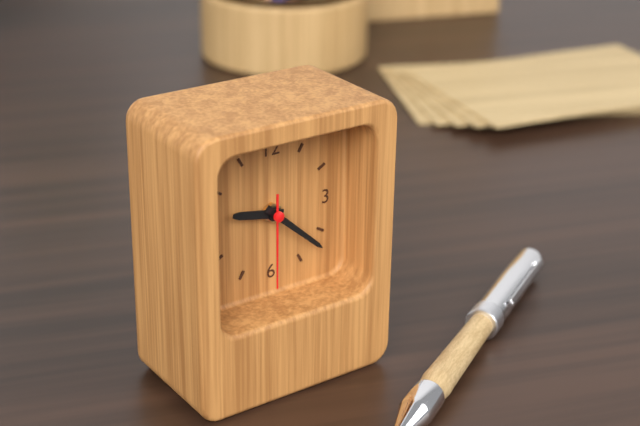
**9:22:30**
